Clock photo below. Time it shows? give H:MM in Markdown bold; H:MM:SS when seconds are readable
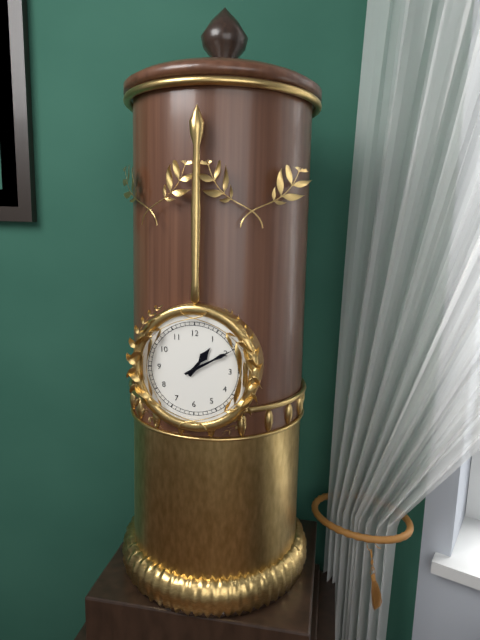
**1:10**
